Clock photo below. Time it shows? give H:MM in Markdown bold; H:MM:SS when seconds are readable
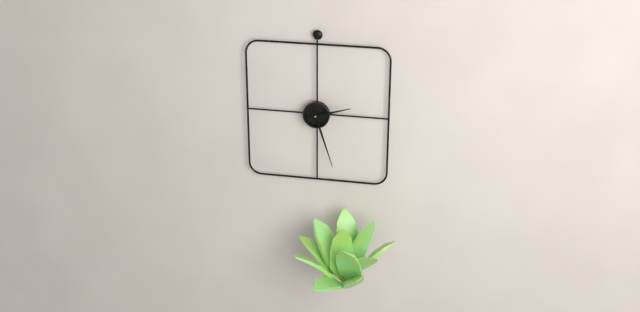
**2:27**
